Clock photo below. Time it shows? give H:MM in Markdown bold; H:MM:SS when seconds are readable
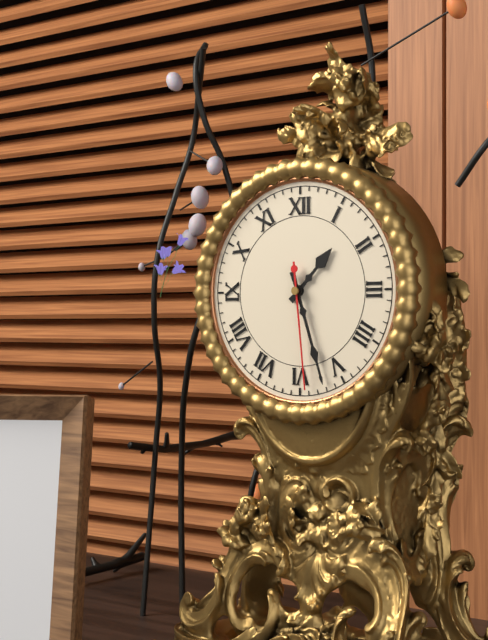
**1:27:29**
